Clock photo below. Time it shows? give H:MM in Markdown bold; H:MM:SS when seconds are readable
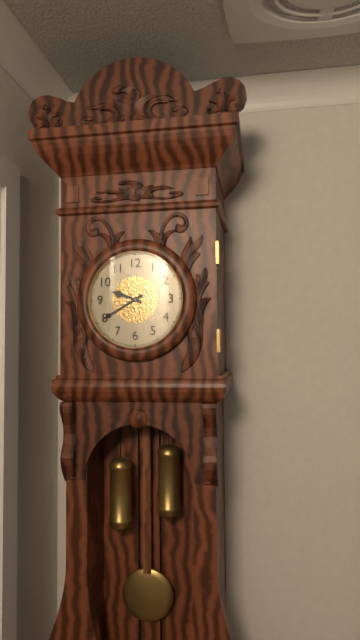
**9:40**
